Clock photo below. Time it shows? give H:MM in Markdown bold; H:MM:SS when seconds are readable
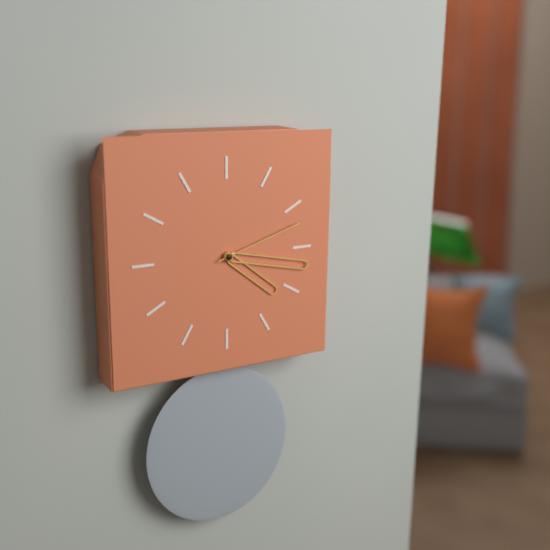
**4:17:12**
